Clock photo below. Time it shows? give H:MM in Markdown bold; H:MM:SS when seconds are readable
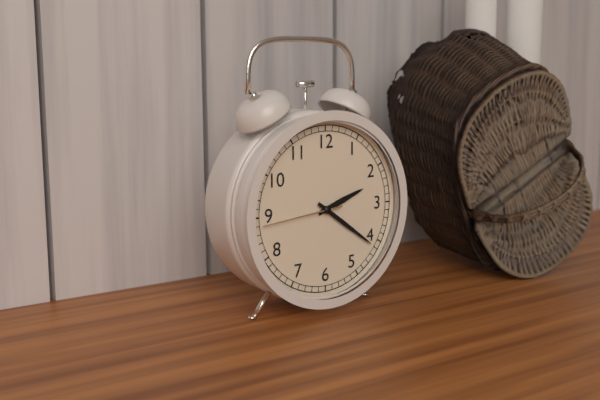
**2:21:44**
